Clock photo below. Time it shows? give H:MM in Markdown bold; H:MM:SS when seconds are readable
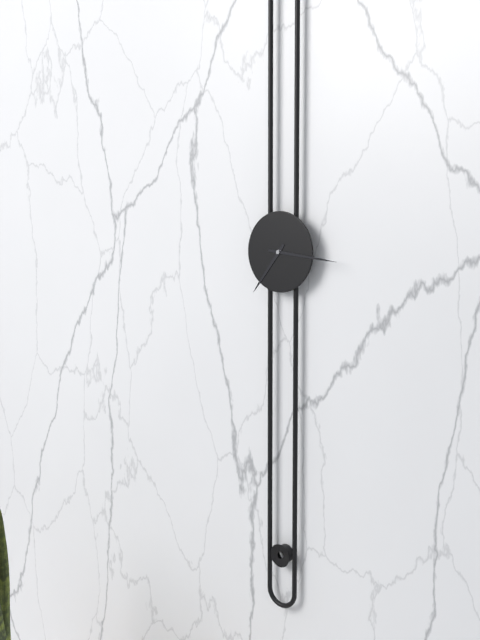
**7:16**
